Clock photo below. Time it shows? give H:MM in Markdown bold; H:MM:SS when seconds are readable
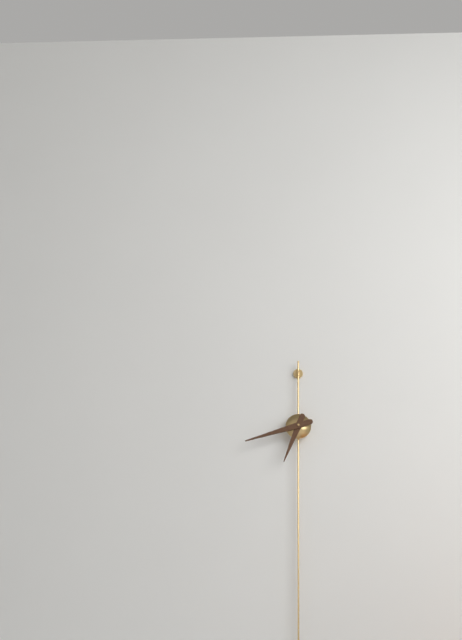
**6:42**
